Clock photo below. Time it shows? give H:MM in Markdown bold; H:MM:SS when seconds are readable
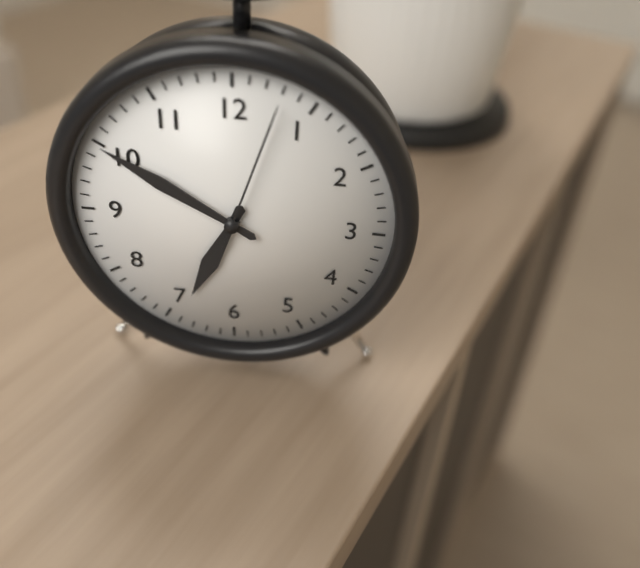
**6:50:03**
